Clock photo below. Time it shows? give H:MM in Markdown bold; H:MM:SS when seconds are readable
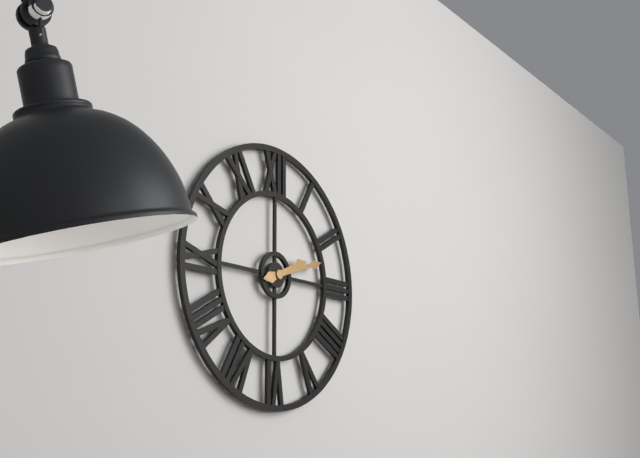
**2:12**
